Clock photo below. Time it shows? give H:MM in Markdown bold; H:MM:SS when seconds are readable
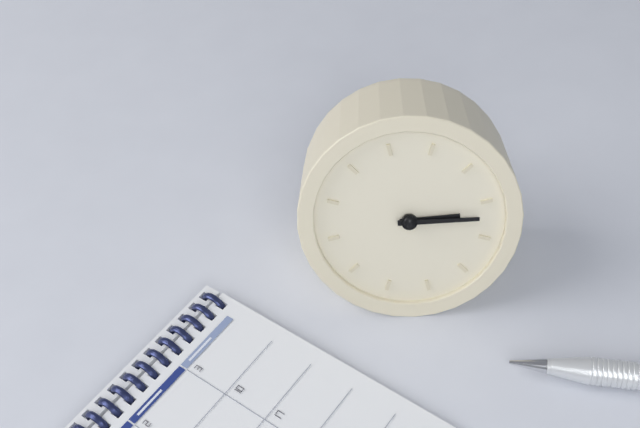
**3:17**
